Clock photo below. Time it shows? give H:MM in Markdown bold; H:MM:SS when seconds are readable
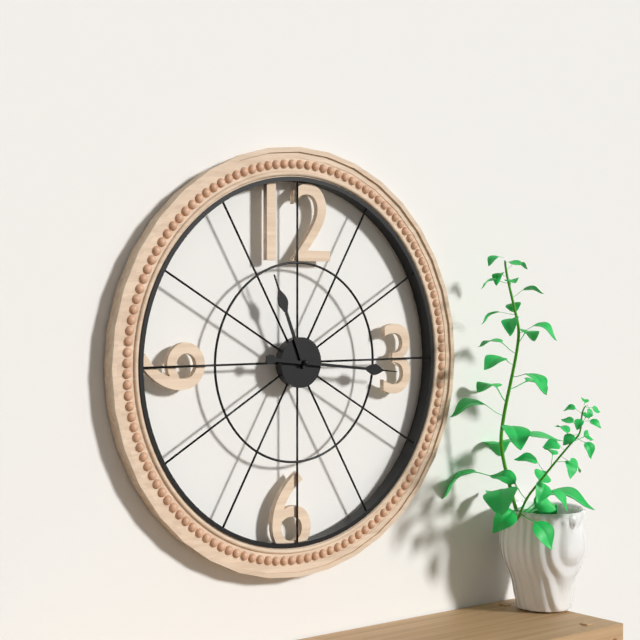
**11:16**
